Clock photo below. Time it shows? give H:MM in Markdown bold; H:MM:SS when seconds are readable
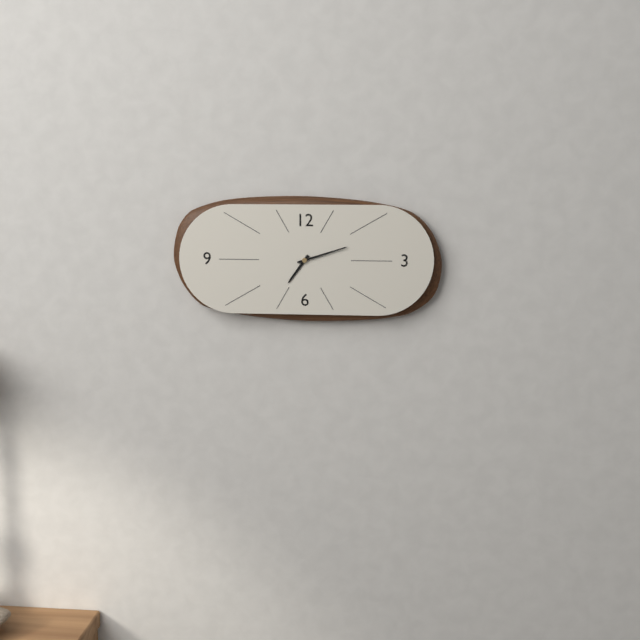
**7:12**
